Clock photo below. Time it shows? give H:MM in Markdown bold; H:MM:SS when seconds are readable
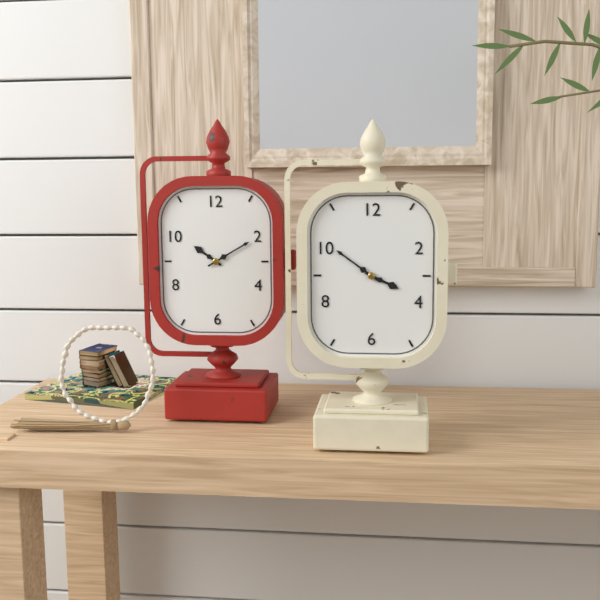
**3:51**
